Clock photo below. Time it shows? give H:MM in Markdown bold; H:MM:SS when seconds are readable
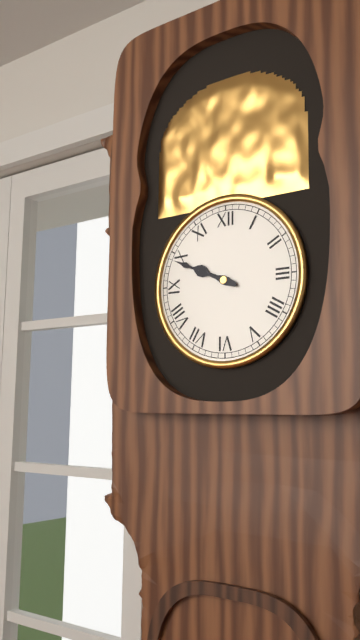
**9:49**
